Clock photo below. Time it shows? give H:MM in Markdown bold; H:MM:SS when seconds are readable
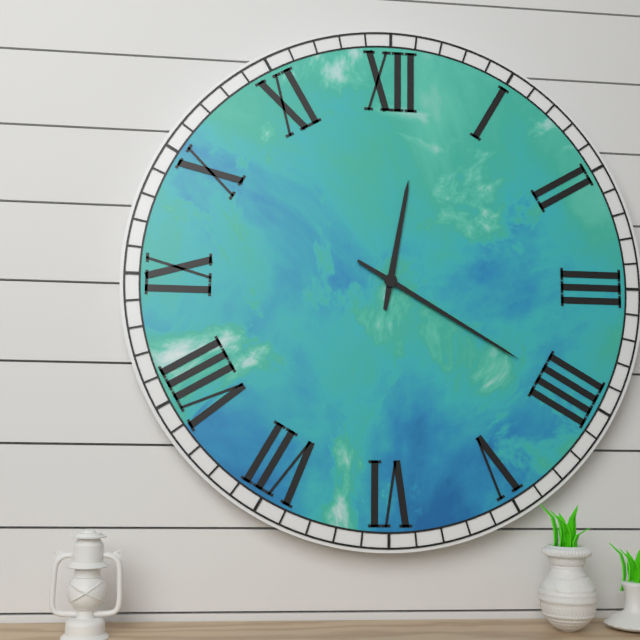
**12:20**
